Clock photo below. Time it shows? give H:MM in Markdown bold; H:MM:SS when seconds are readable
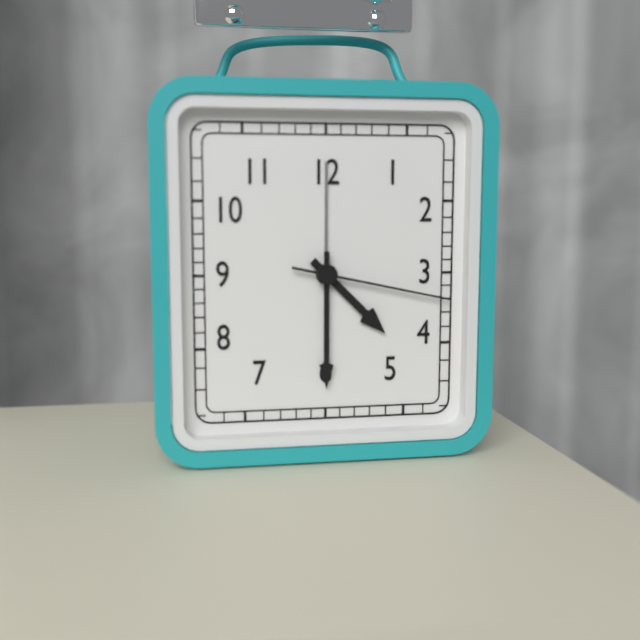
**4:30:17**
